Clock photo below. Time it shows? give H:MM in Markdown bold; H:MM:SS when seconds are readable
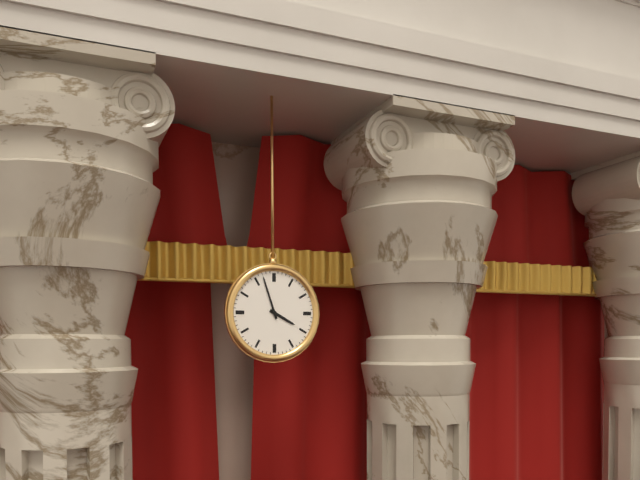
**3:57**
